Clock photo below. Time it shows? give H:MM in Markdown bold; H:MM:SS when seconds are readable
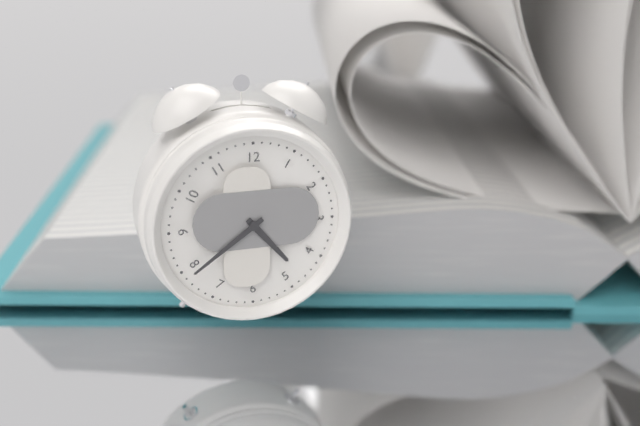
**4:39**
